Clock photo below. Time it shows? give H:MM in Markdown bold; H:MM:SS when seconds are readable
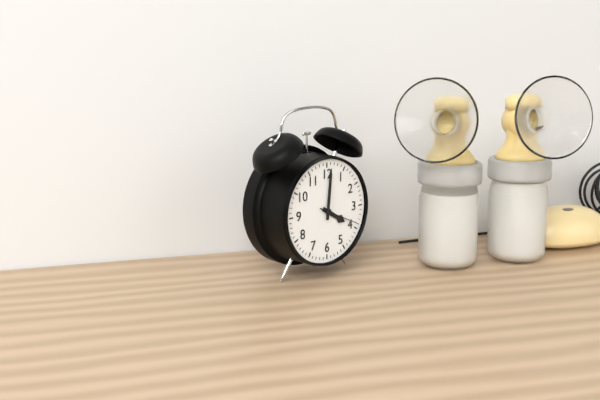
**4:01**
